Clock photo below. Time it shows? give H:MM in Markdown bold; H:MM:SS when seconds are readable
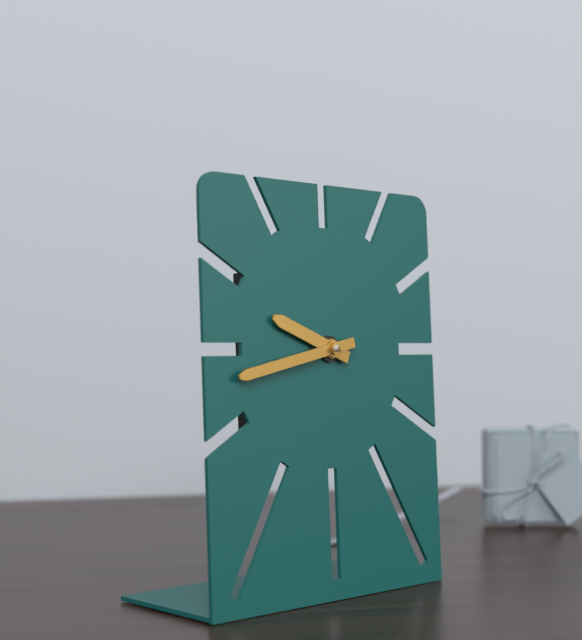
**9:43**
